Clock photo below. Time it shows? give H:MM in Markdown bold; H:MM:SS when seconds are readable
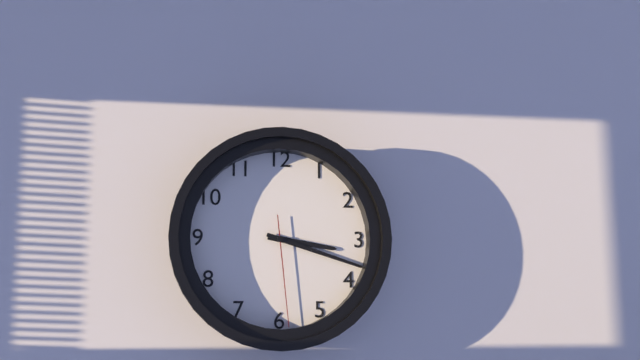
**3:18:29**
